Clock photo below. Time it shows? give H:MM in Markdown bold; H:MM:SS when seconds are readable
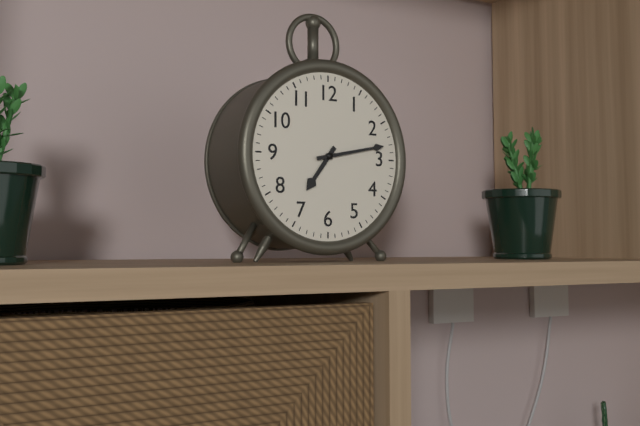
**7:13**
